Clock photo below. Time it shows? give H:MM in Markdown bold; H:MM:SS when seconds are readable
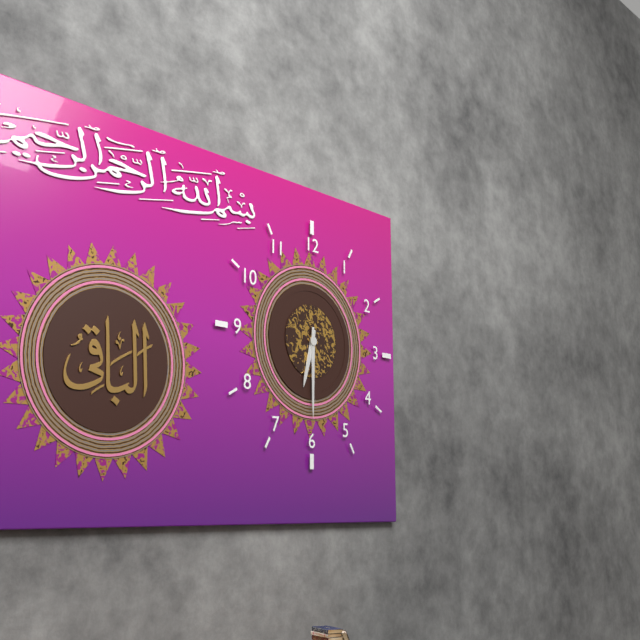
**6:30**
